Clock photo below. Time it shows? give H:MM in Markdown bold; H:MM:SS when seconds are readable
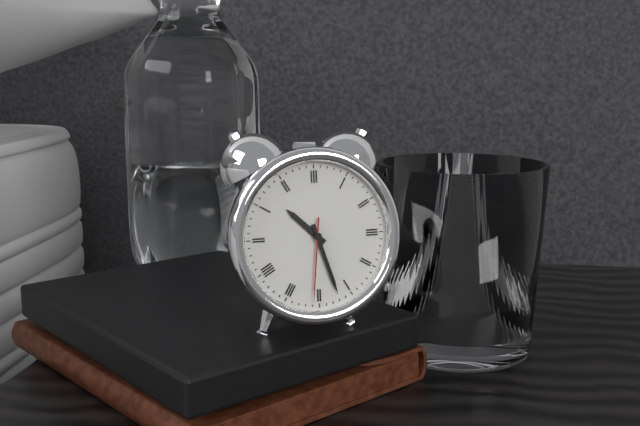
**10:27:31**
